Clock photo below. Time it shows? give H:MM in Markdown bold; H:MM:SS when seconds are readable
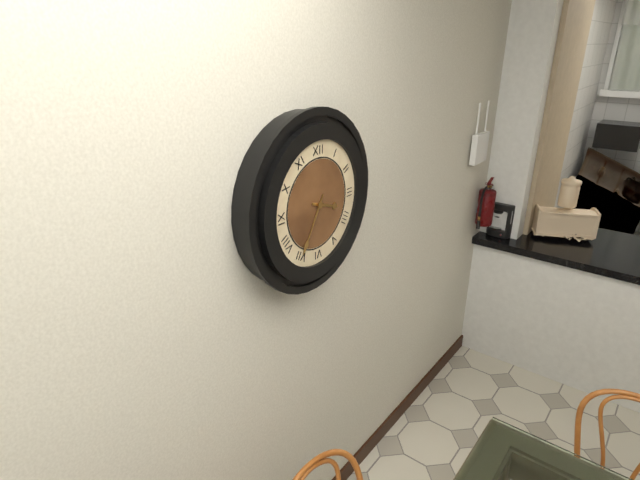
**3:35**
